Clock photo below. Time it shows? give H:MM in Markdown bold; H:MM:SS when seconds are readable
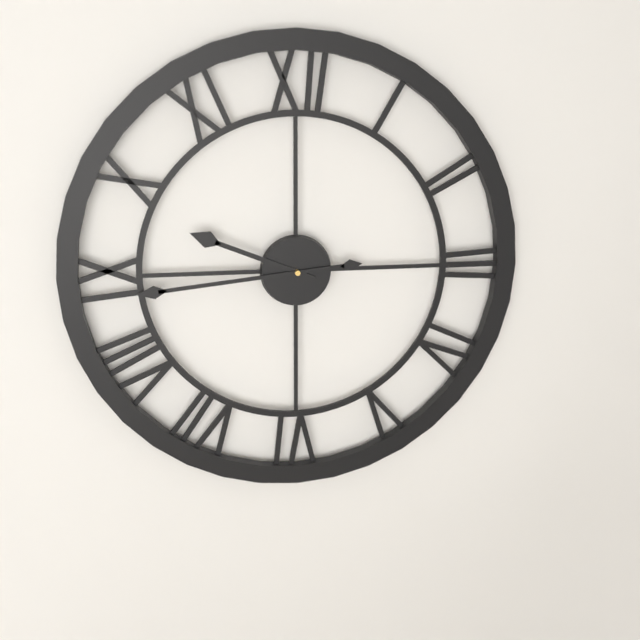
**9:44**
